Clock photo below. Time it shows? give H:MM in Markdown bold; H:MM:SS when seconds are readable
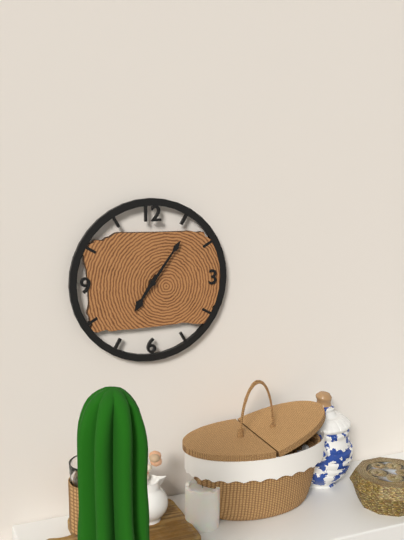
**7:06**
